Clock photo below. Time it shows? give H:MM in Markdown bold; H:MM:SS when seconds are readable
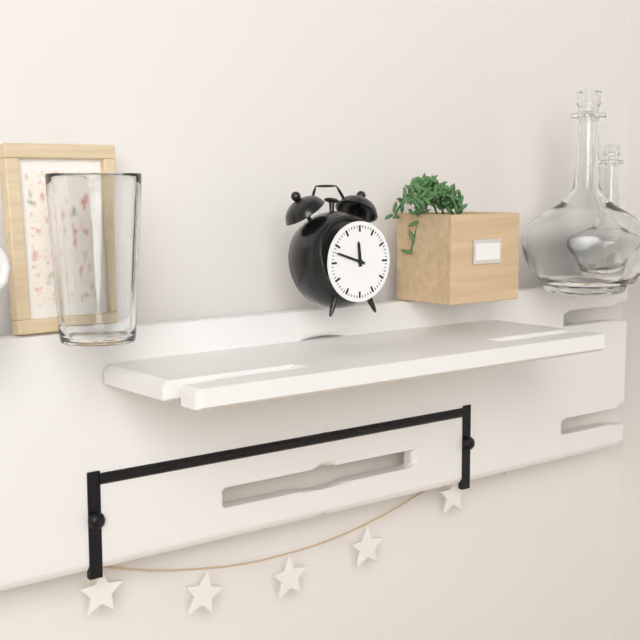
**11:48**
